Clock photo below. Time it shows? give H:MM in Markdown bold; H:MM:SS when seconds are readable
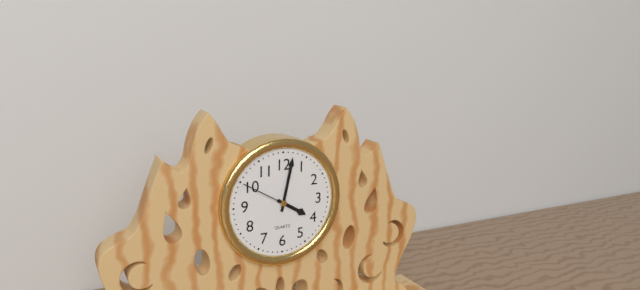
**4:02**
